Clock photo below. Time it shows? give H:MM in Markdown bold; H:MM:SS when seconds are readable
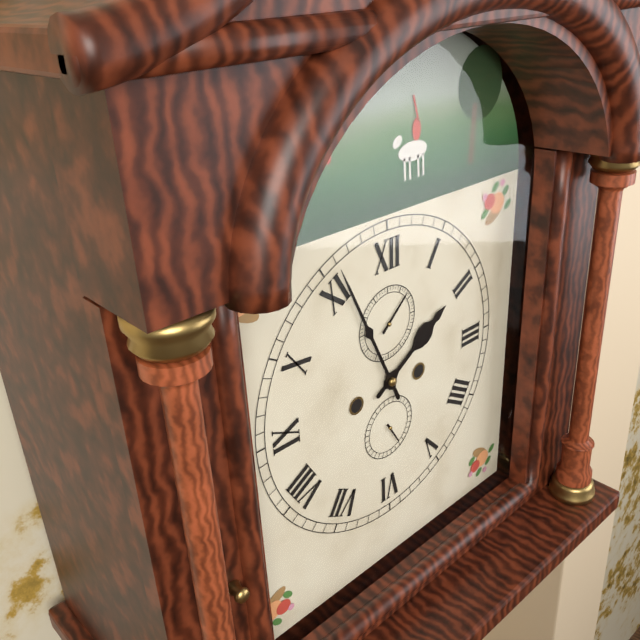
**1:56**
